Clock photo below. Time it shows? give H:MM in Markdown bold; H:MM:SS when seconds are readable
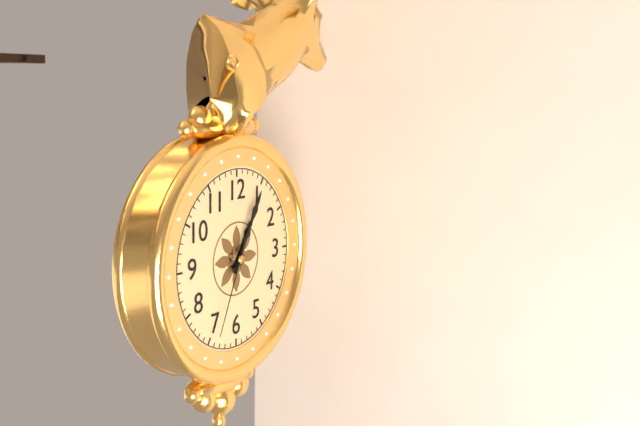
**1:05:34**
